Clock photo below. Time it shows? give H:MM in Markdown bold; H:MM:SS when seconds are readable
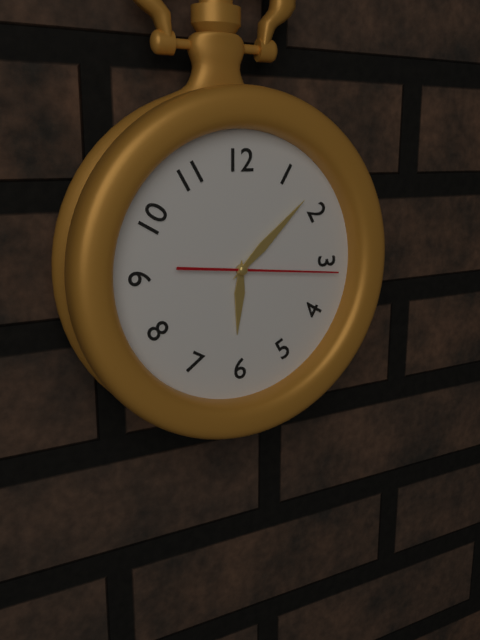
**6:08:16**
